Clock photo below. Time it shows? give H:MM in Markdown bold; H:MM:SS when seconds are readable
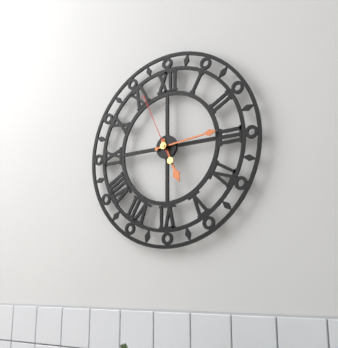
**5:14:56**
